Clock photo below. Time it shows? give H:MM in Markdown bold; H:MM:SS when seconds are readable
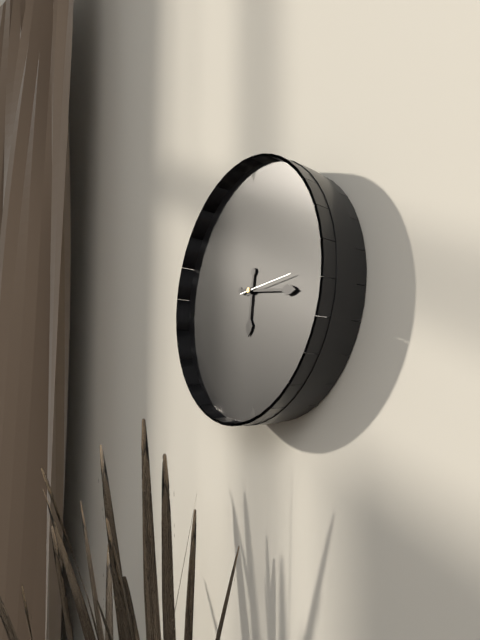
**6:17:15**
